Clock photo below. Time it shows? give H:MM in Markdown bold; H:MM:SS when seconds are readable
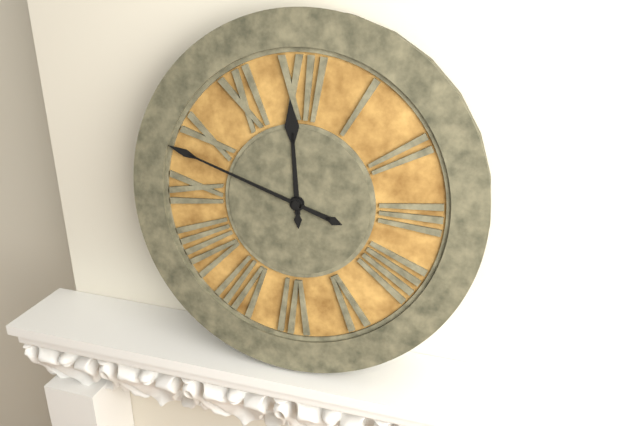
**11:48**
